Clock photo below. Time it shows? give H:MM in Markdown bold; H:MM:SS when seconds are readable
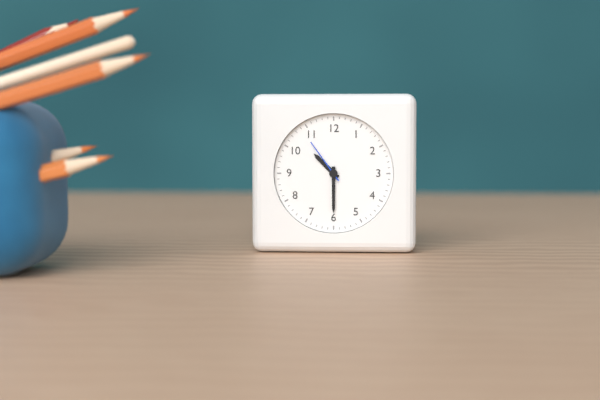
**10:30**
